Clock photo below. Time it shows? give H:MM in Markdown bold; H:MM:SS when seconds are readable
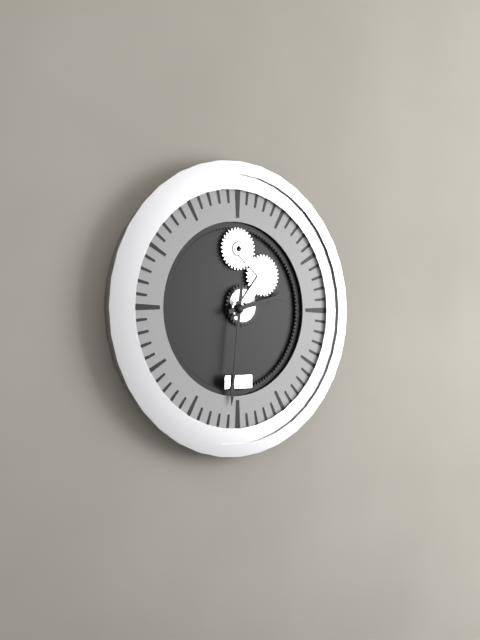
**2:31**
